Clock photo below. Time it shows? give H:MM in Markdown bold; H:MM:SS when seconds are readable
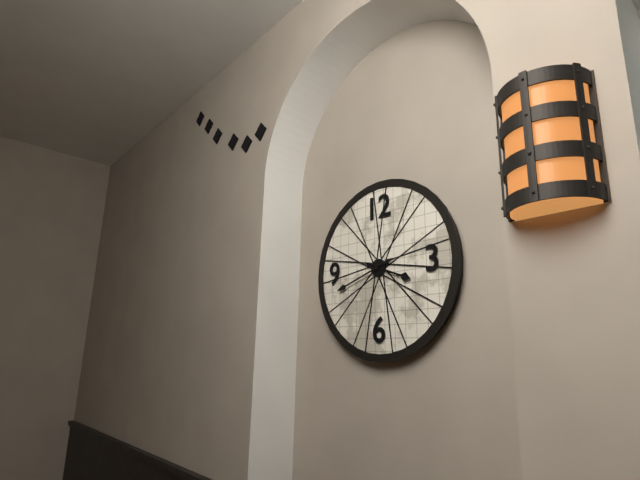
**3:42**
